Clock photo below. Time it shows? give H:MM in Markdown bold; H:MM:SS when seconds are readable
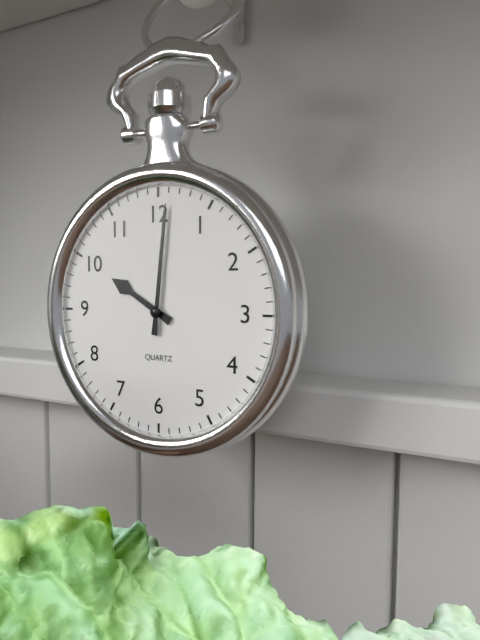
**10:01**
